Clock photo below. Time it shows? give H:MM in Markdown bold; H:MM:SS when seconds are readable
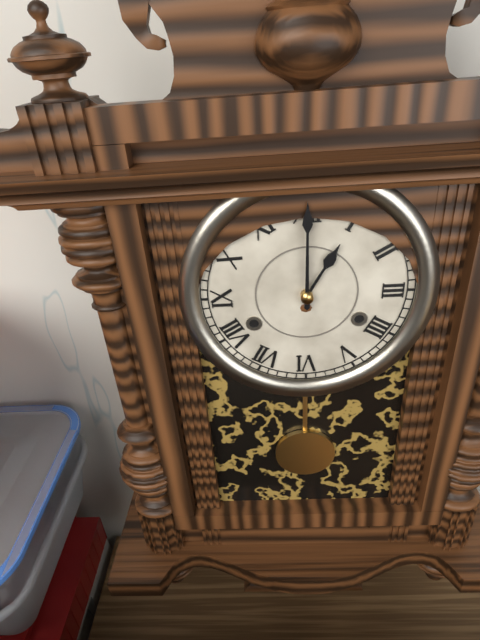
**1:00**
